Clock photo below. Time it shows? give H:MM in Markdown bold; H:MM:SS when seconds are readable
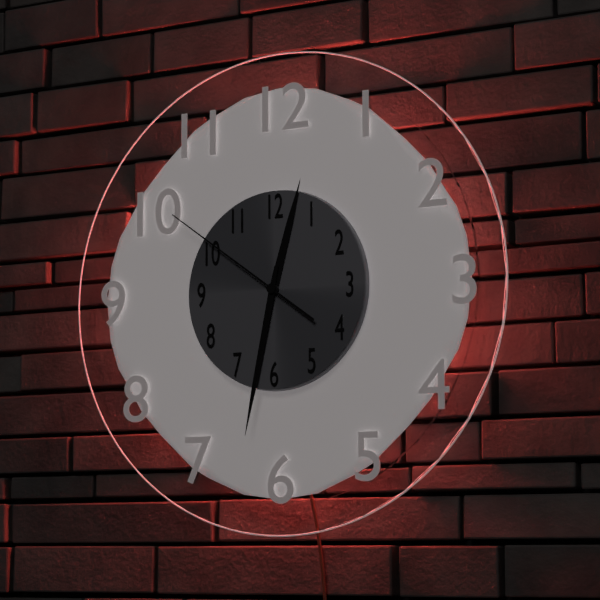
**12:32:51**
